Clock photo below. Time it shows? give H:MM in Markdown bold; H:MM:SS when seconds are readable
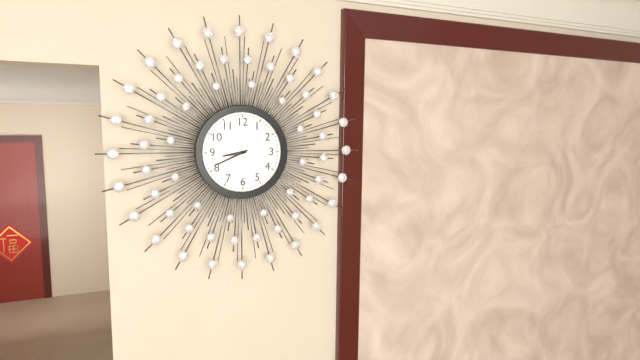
**8:41**
